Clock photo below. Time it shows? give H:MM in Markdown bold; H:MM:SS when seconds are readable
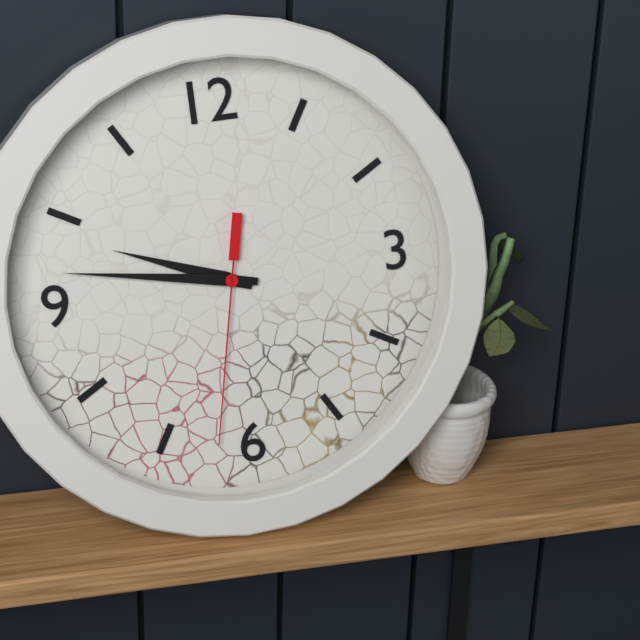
**9:47:32**
